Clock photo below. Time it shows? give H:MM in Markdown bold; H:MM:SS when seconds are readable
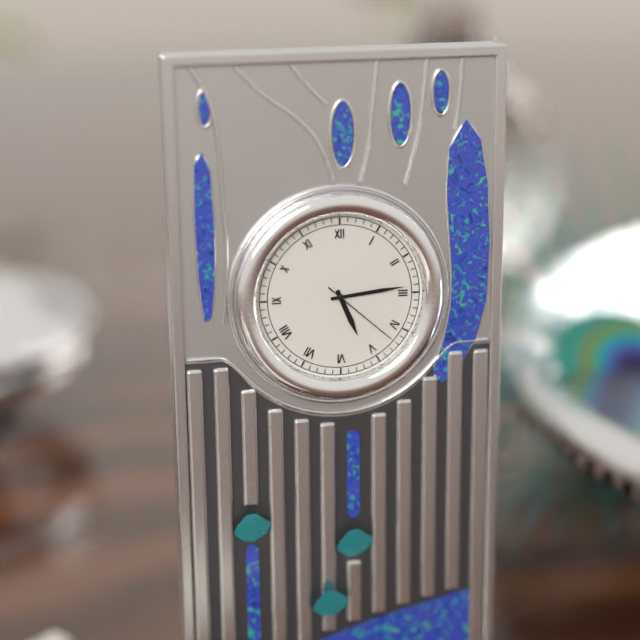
**5:14:22**
